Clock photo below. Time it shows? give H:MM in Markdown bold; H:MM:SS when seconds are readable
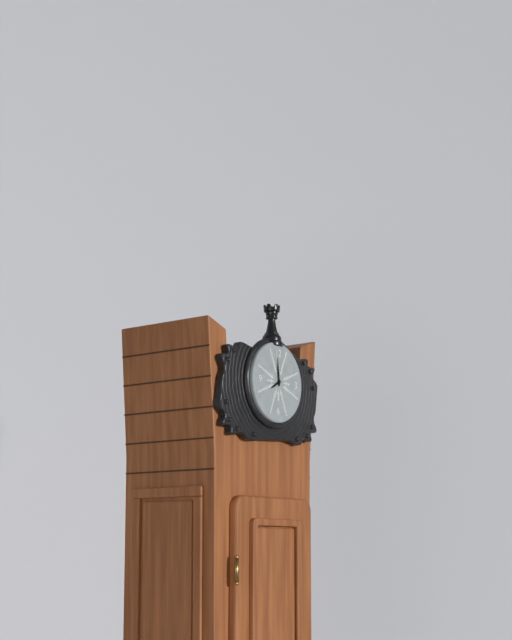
**7:59**
